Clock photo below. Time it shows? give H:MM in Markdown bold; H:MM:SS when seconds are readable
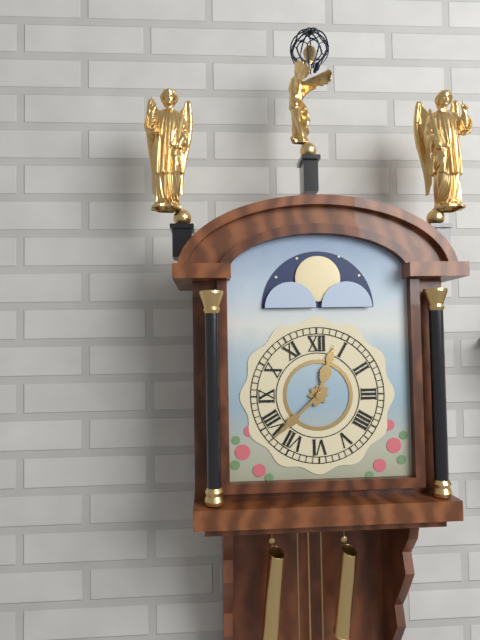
**12:38**
